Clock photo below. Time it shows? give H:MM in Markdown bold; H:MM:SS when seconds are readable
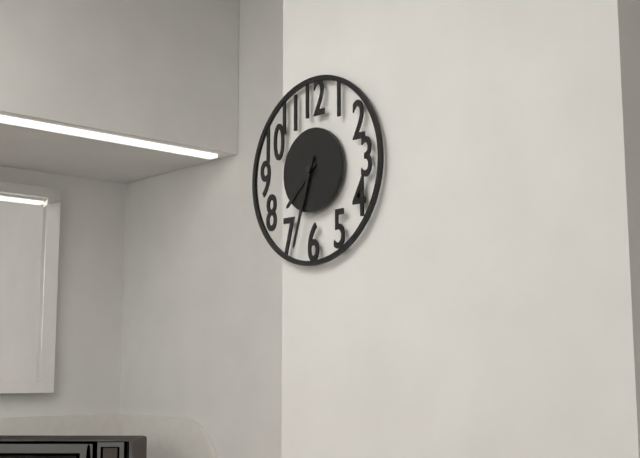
**7:33**
